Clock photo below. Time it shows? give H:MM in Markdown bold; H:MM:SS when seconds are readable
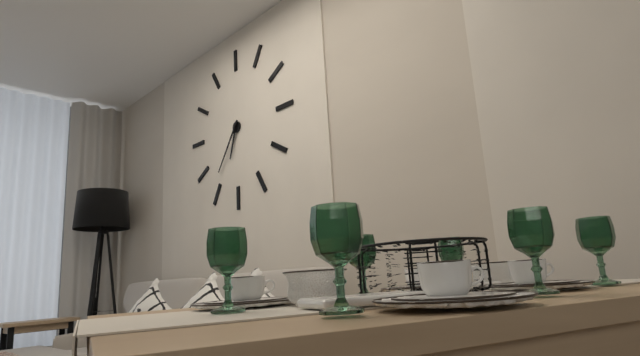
**6:36**
